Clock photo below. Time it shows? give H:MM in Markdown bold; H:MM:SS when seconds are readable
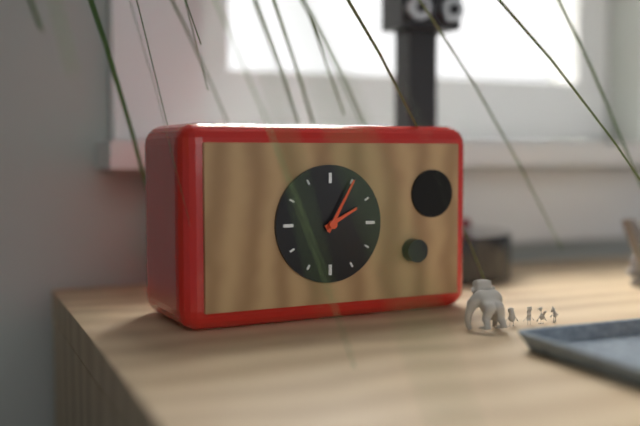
**2:05**
